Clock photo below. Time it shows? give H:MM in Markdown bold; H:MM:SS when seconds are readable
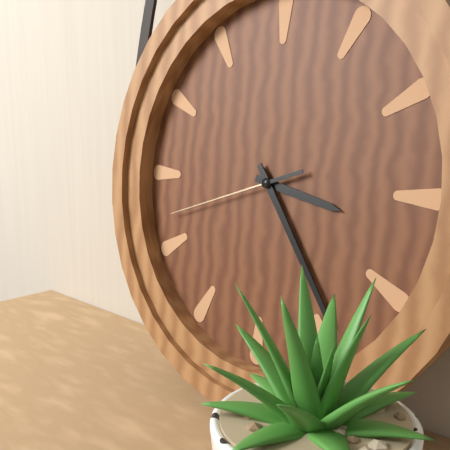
**3:24:42**
